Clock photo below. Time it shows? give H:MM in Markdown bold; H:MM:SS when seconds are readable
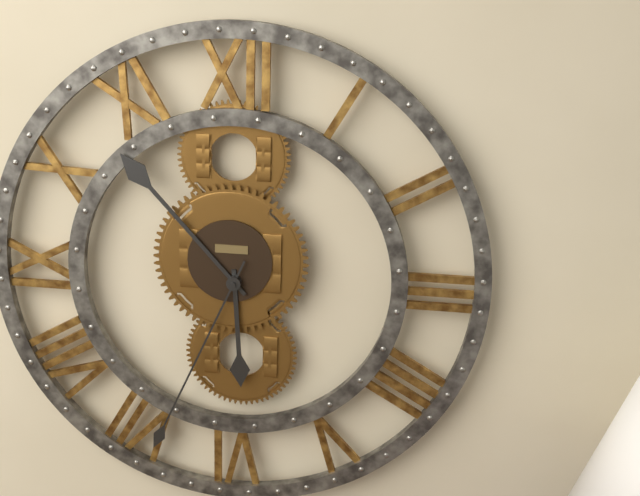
**5:53:34**
